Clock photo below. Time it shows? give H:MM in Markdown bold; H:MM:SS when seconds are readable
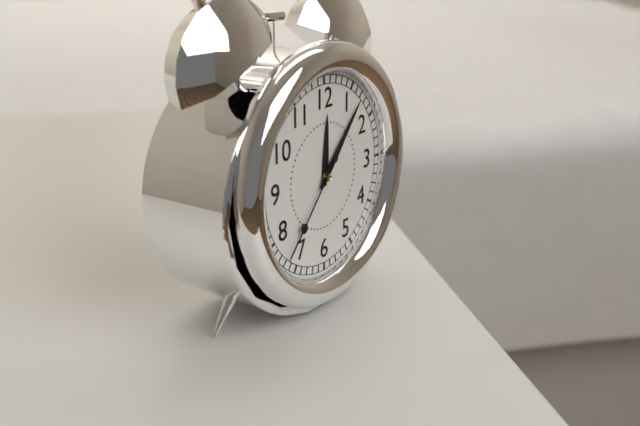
**12:07:37**
